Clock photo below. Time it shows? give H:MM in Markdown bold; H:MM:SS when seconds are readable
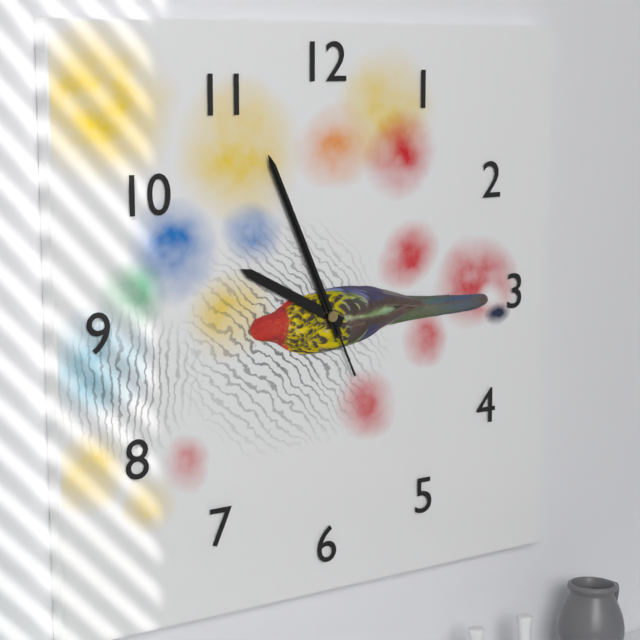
**9:56:56**
